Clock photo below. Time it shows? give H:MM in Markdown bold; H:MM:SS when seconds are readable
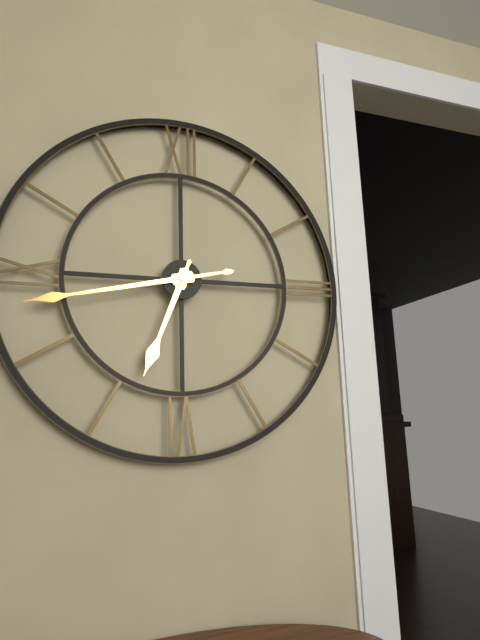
**6:43**
